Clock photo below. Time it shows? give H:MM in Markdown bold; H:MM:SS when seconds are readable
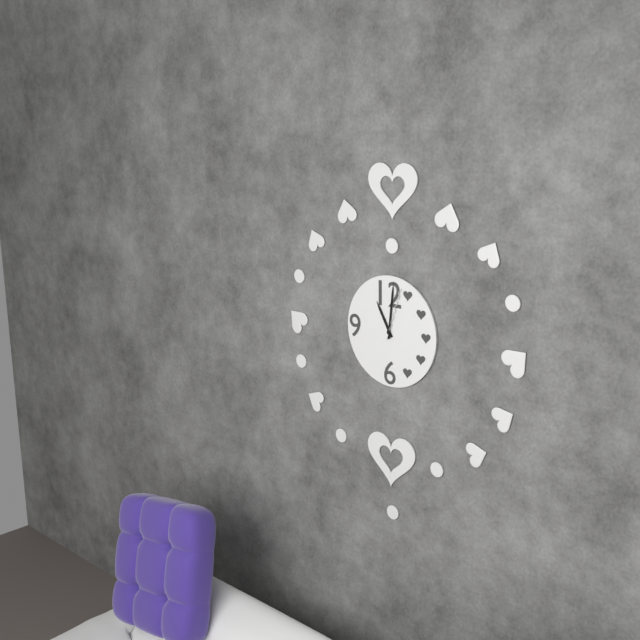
**11:01:03**
